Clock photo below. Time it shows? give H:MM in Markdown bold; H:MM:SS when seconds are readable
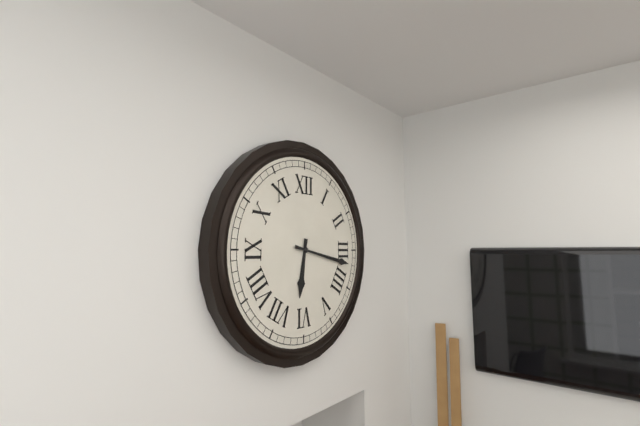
**6:17**
